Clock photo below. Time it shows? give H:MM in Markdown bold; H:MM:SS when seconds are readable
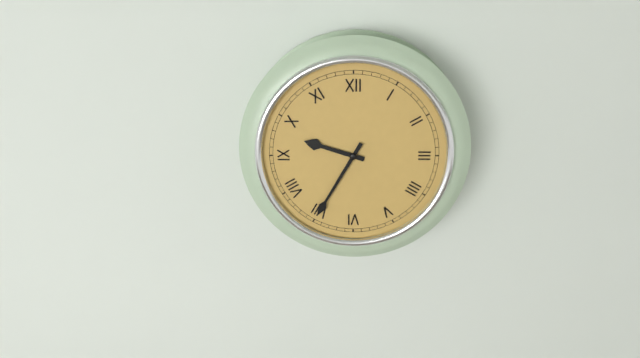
**9:35**
